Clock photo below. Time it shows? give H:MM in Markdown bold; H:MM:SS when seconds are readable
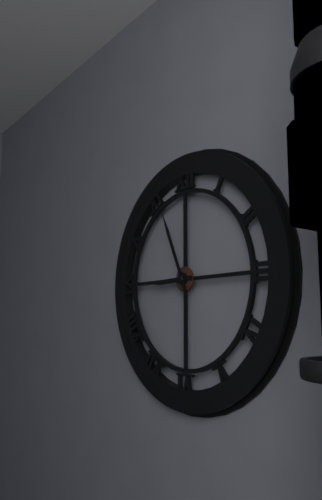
**8:56**
